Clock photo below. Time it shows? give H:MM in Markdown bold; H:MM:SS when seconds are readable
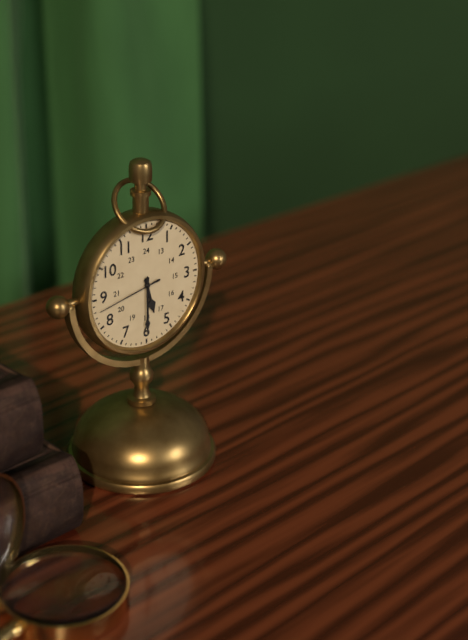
**5:30:43**
